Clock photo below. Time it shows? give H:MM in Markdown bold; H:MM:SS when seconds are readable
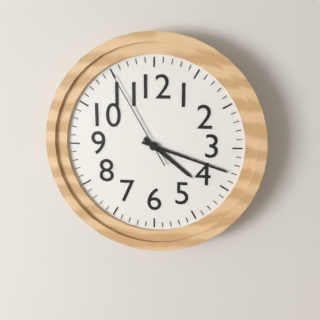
**4:18:55**
